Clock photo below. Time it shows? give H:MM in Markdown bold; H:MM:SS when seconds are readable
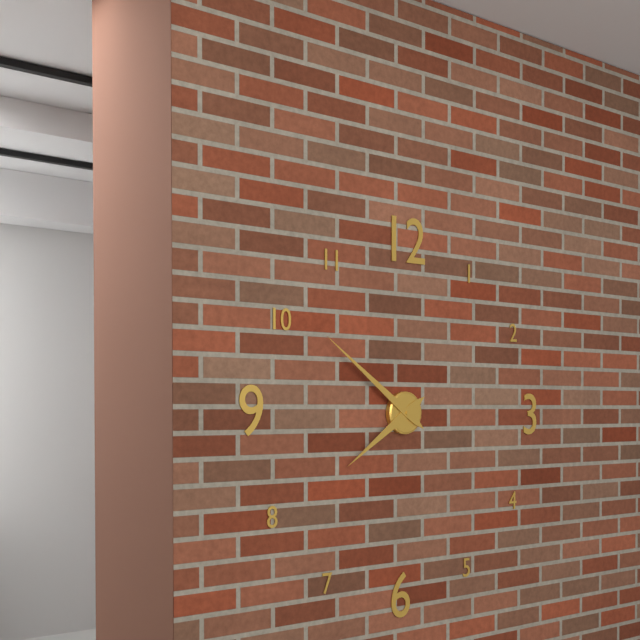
**7:51**
